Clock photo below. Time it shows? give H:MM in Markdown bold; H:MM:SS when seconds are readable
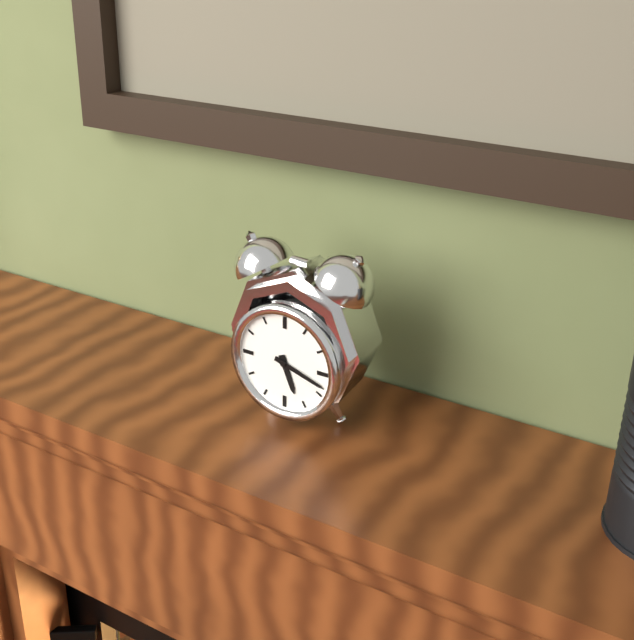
**5:18**
